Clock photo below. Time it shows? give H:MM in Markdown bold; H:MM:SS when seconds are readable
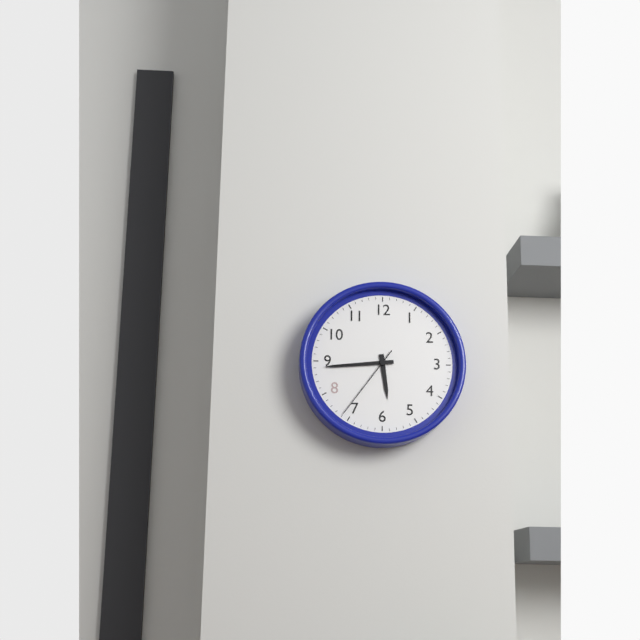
**5:44:36**
